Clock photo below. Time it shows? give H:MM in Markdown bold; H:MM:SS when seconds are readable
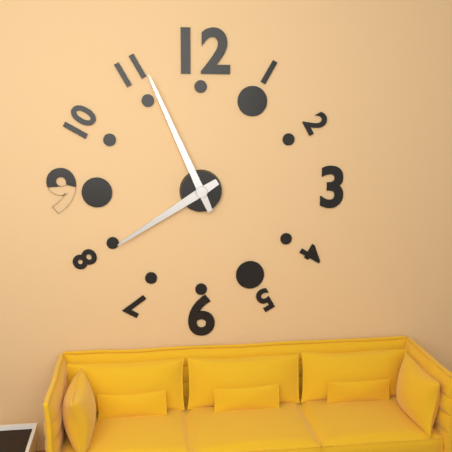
**7:56**
